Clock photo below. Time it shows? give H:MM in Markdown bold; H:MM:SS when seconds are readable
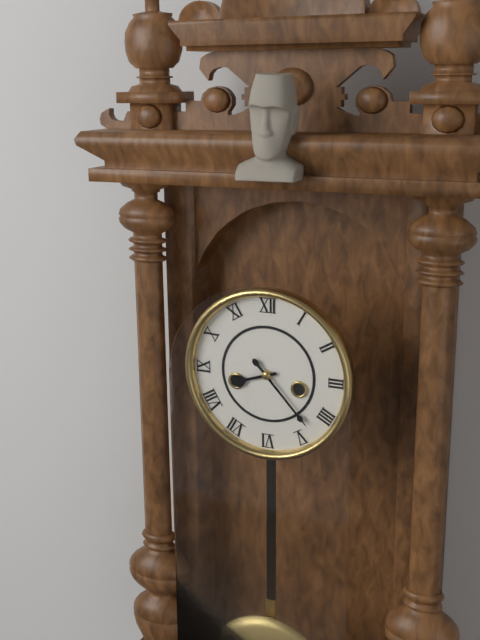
**8:23**
